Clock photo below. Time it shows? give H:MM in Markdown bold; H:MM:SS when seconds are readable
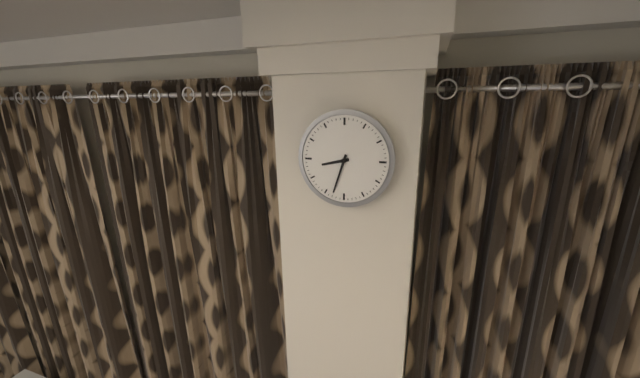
**8:33**
